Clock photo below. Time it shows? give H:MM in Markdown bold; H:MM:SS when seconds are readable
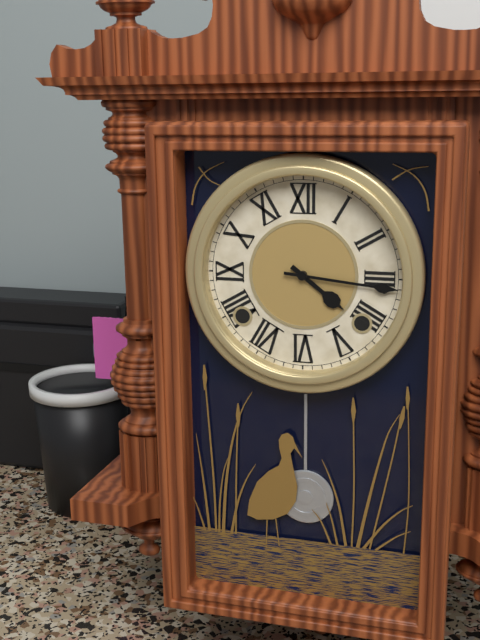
**4:16**
